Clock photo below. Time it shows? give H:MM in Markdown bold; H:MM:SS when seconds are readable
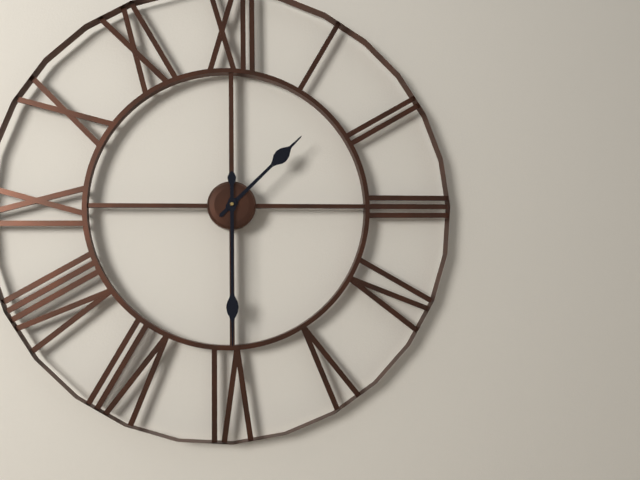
**1:30**
